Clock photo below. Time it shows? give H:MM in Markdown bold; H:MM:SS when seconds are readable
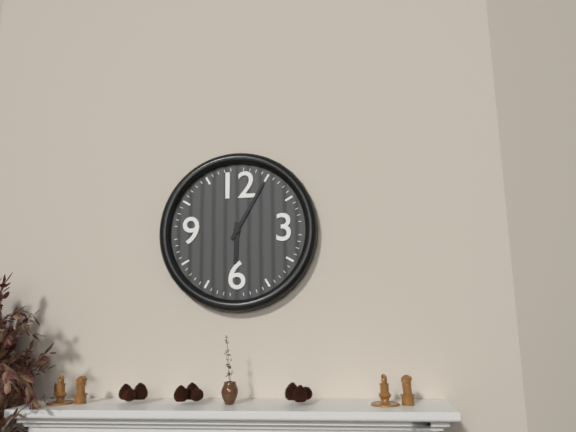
**6:05**
